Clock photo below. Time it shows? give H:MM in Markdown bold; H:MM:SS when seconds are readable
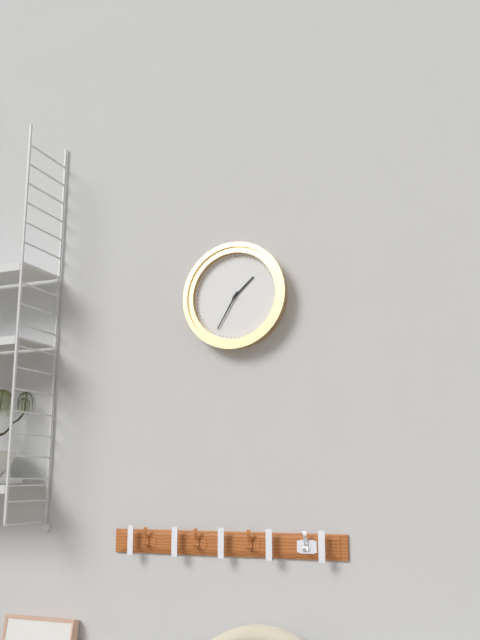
**1:35**
